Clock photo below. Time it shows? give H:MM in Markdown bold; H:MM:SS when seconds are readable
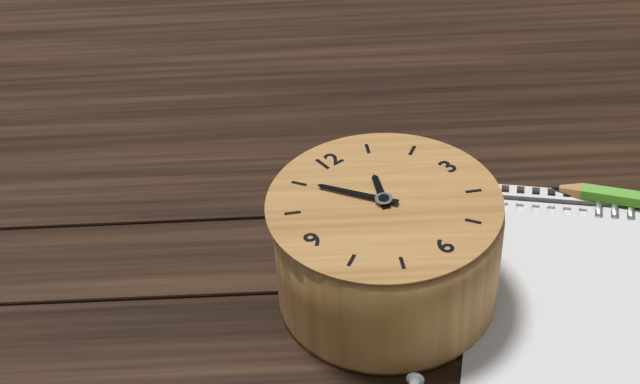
**12:55**
